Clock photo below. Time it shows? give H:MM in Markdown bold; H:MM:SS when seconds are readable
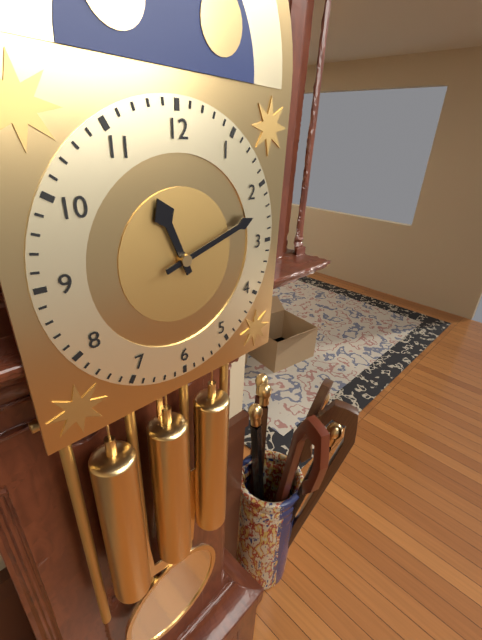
**11:12**
